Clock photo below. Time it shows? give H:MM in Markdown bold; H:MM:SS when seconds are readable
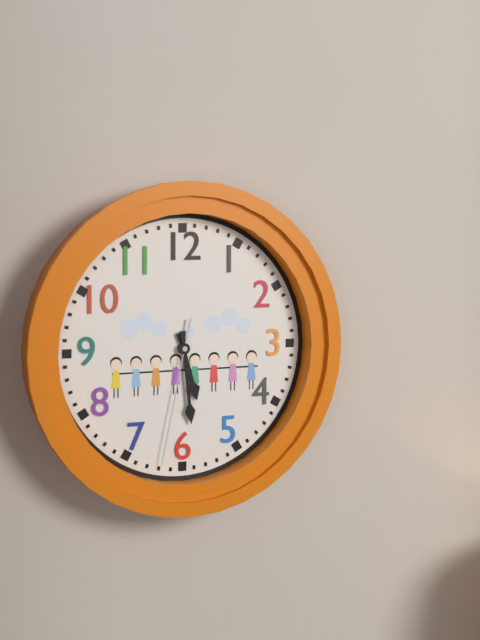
**5:29:32**
